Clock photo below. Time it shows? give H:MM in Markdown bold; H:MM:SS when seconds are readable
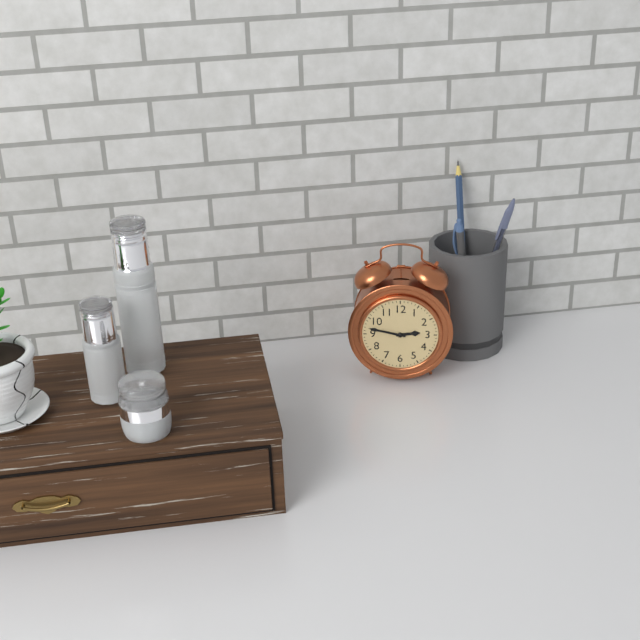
**2:47**
